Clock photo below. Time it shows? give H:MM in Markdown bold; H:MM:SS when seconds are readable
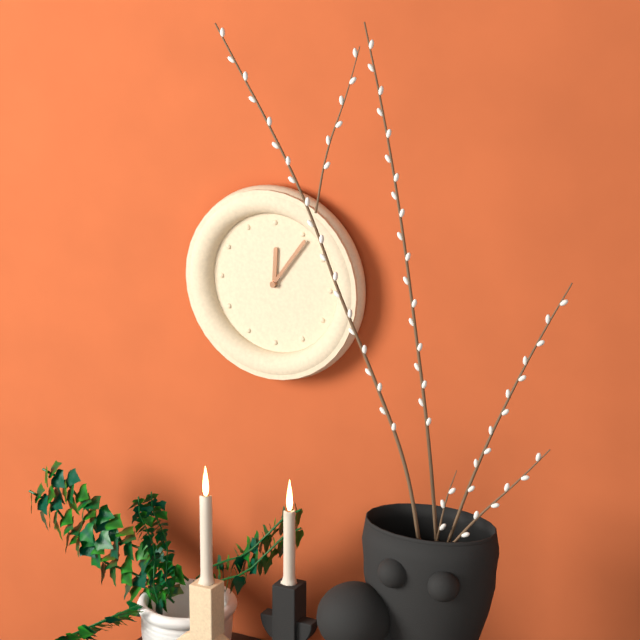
**12:06**
